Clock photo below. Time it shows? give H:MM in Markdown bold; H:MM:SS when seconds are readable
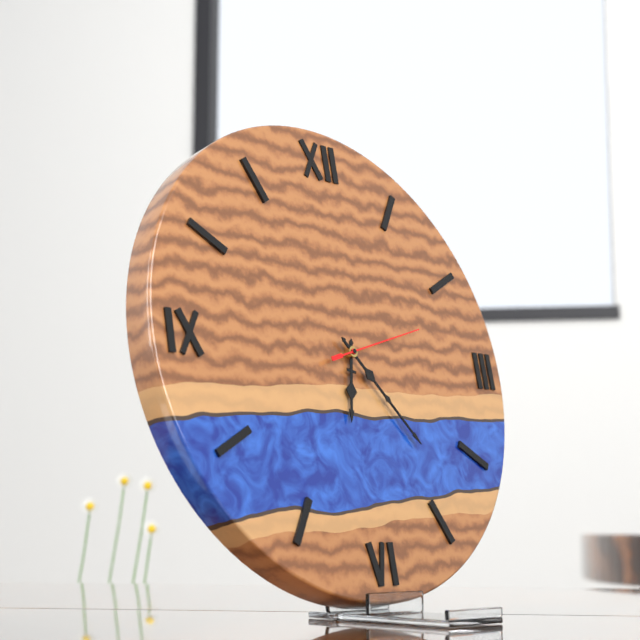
**6:23:12**
